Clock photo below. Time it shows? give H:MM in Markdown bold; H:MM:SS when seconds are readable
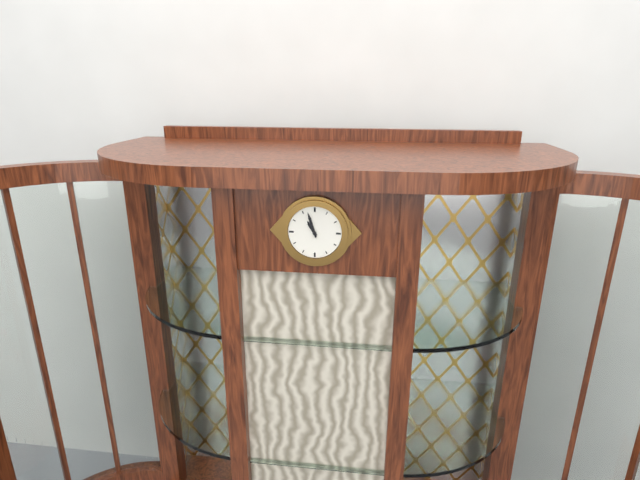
**10:57**
